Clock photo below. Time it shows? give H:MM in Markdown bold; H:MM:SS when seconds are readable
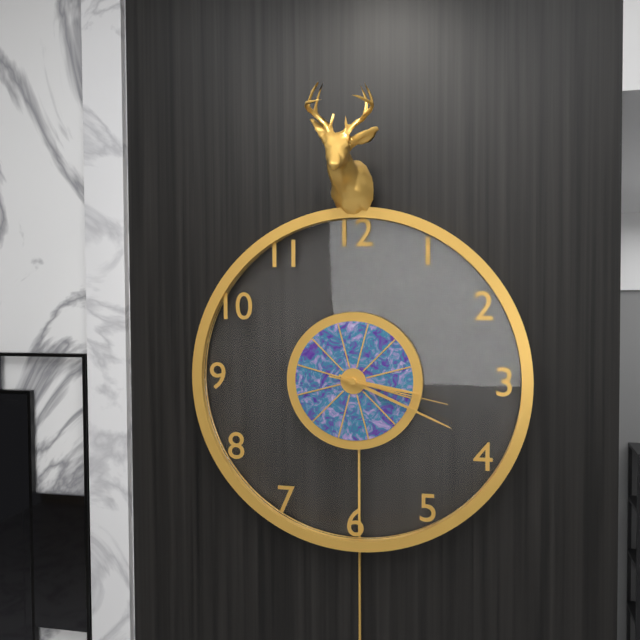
**3:19:17**
